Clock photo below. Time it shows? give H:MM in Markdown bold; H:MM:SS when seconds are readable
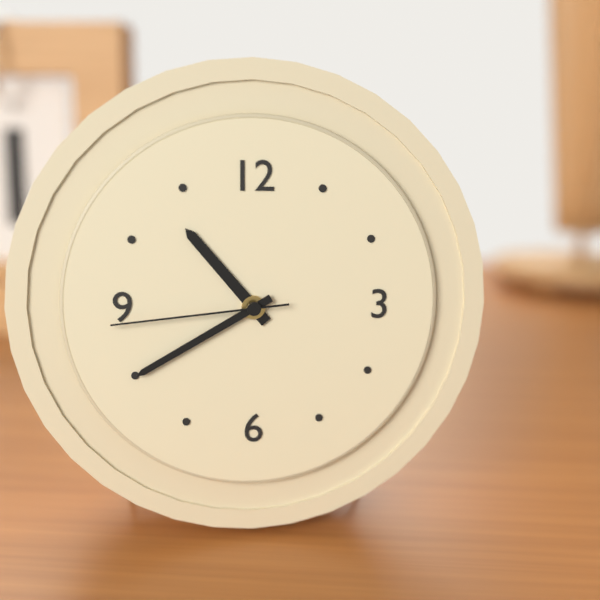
**10:40:44**
